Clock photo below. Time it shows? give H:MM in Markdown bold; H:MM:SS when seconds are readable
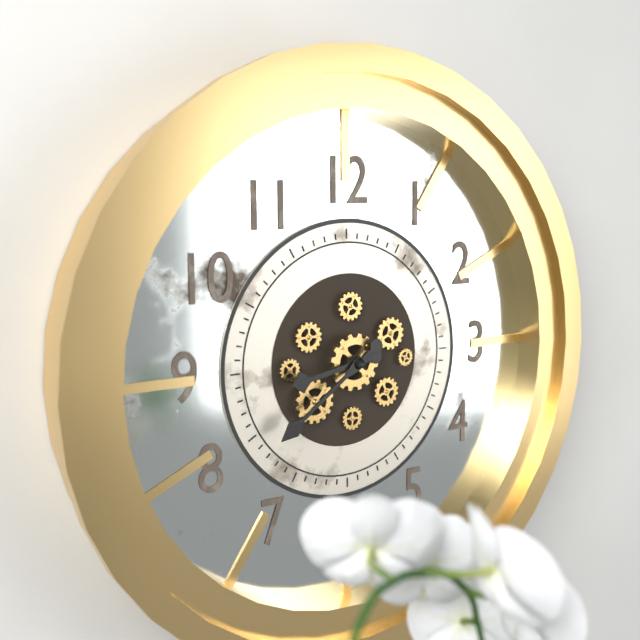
**8:39**
